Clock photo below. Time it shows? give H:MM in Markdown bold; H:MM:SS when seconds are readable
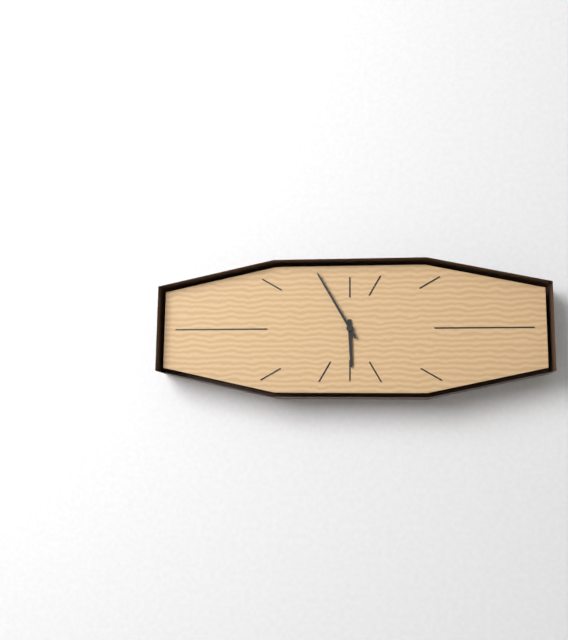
**5:55**
